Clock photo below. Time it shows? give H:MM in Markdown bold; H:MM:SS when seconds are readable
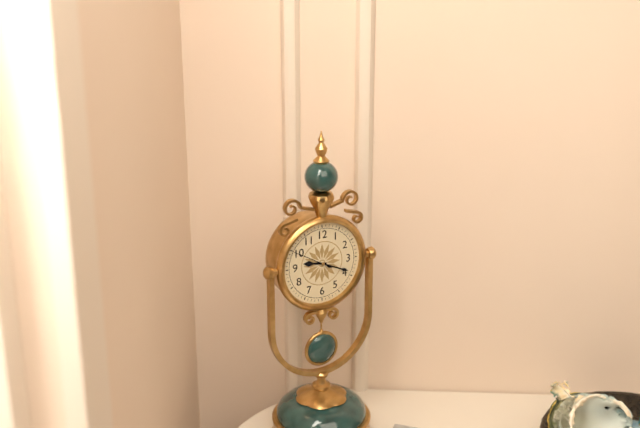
**9:19**
